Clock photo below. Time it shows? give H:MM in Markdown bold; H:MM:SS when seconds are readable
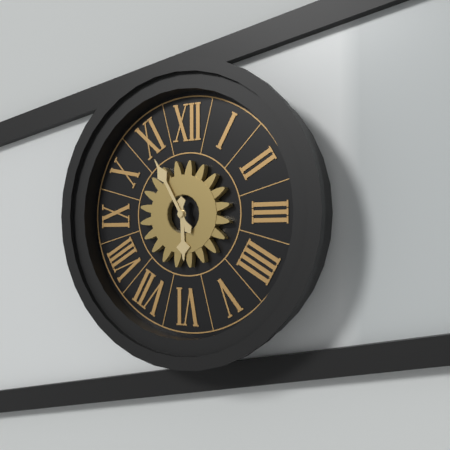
**5:55**
